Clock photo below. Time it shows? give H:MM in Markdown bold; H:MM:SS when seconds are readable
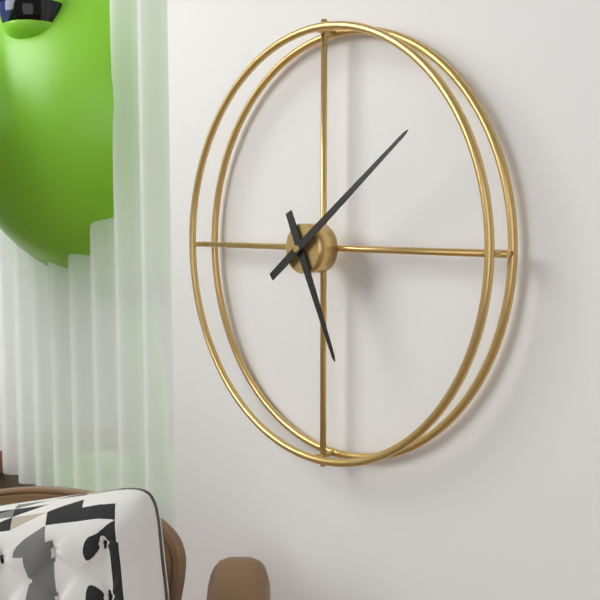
**5:09**
